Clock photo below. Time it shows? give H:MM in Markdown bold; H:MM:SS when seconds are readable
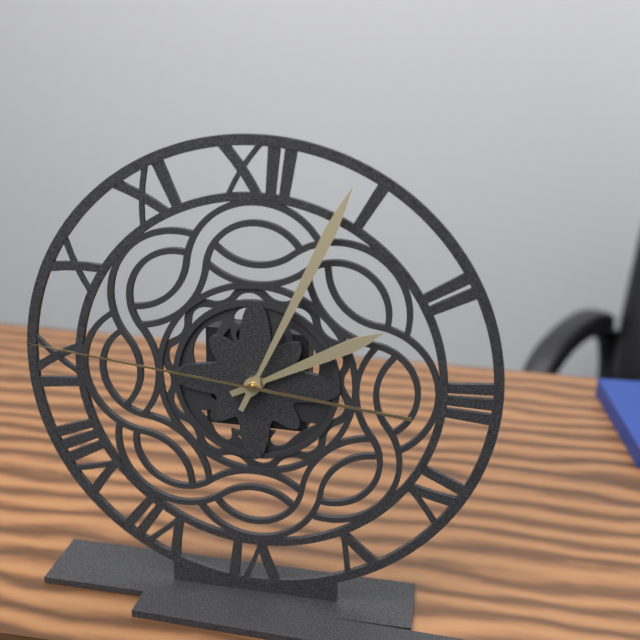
**2:04:46**
